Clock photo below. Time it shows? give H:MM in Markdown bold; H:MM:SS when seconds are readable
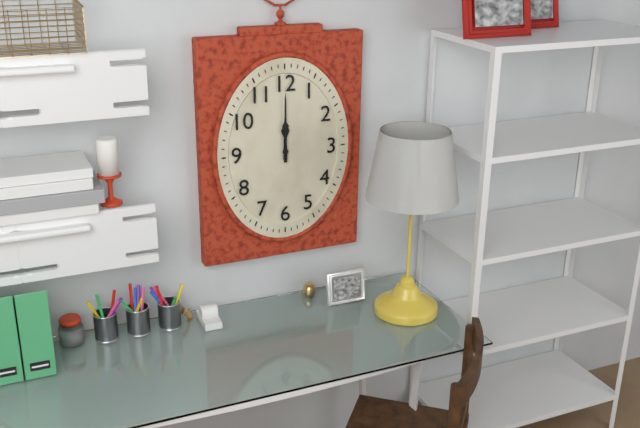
**12:00**
